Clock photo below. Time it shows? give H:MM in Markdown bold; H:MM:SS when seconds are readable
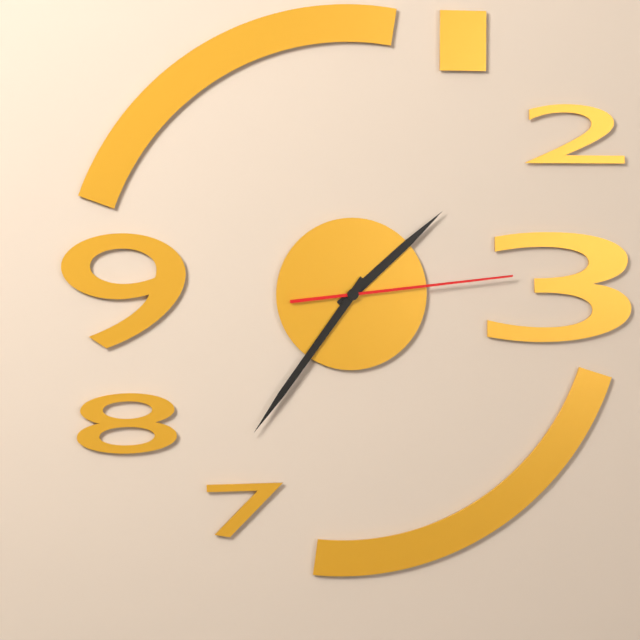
**1:36:14**
